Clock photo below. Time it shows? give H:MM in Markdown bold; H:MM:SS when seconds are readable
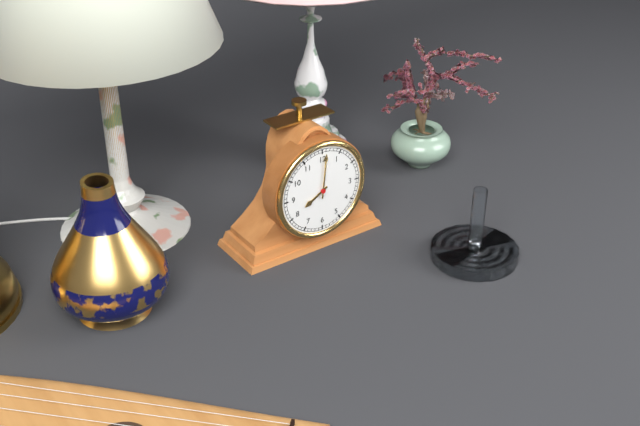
**8:01**
